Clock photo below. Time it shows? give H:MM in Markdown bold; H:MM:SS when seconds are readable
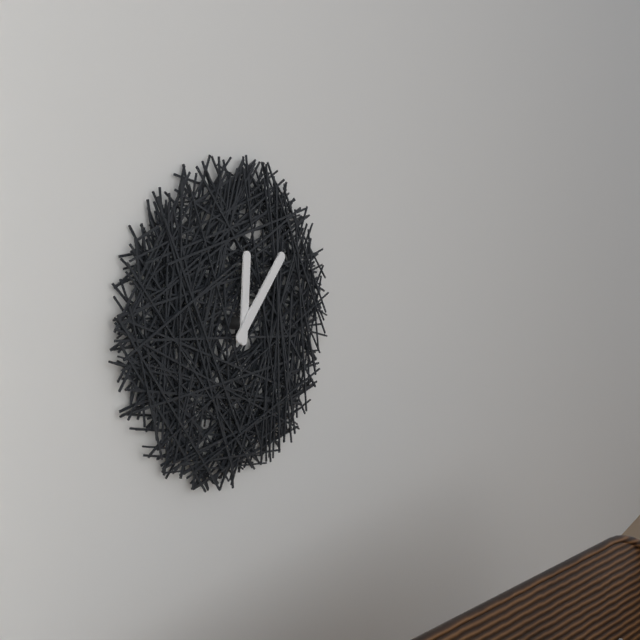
**12:07**
